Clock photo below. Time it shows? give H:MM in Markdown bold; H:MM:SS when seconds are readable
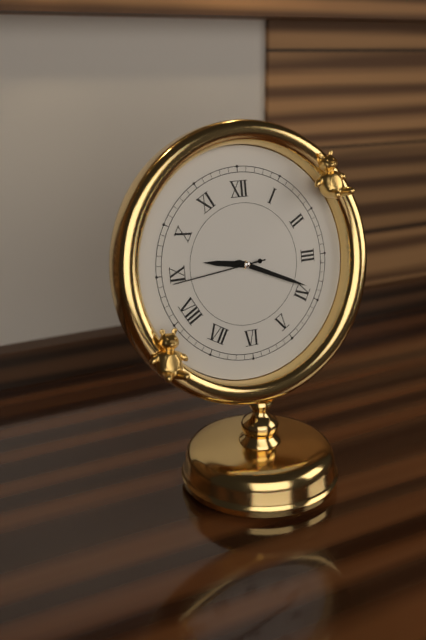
**9:19:44**
